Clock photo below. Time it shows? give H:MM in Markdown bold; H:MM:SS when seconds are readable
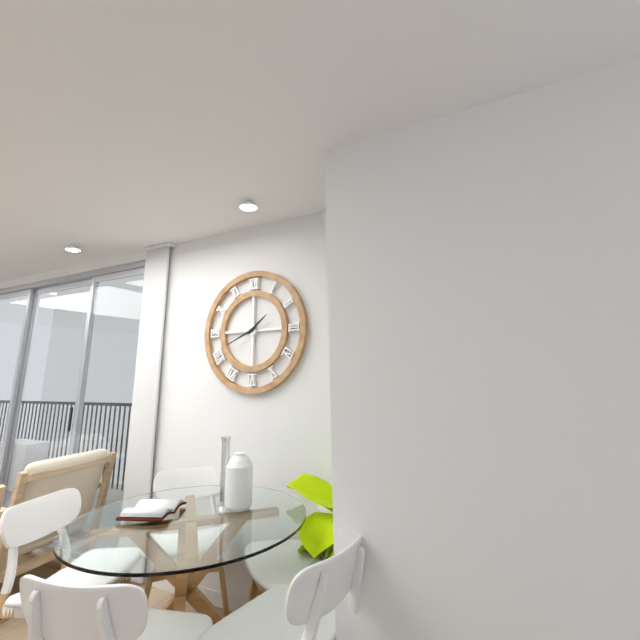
**1:41**
